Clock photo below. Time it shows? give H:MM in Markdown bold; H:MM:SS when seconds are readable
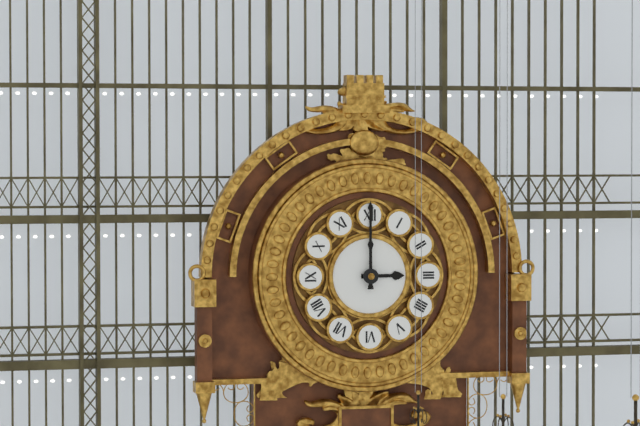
**3:00**
